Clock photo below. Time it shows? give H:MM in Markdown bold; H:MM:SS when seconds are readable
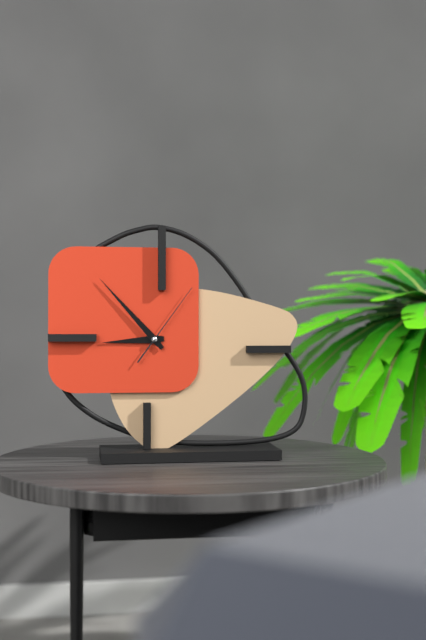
**8:53:06**
